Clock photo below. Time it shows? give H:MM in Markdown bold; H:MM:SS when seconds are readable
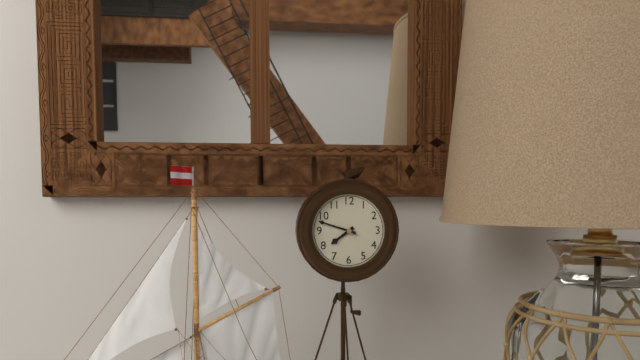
**7:48**
